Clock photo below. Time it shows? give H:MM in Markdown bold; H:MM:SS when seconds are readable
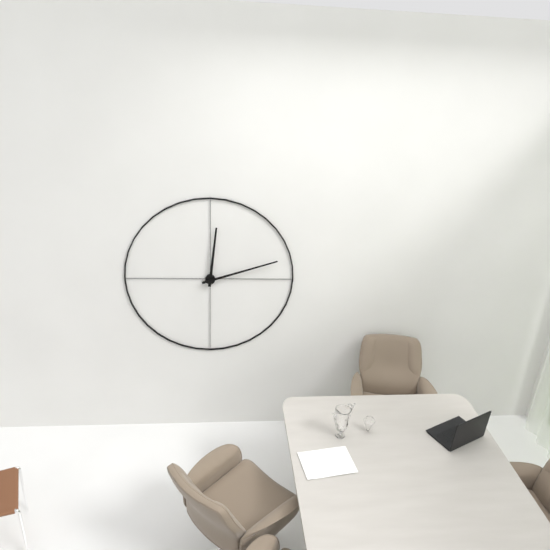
**12:12**
